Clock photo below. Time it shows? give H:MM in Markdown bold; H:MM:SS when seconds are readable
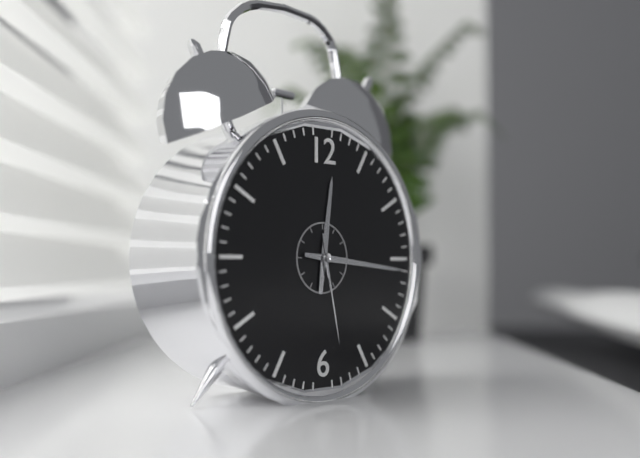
**12:16:28**
